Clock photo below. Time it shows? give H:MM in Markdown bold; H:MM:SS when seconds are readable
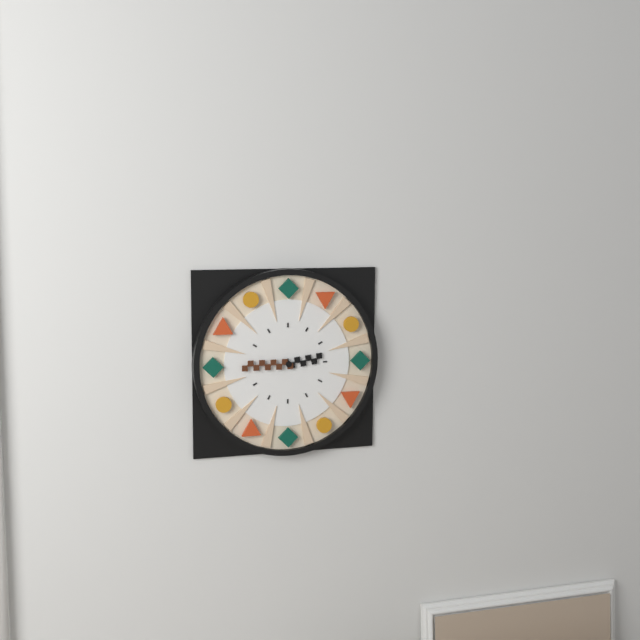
**2:45**
